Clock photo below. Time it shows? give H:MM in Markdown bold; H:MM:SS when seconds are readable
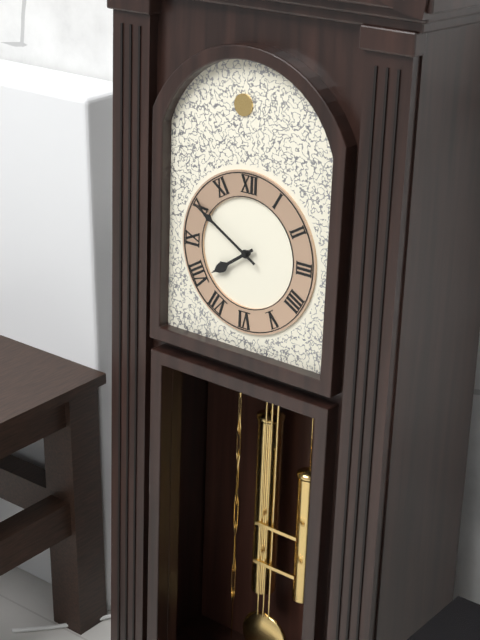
**7:50**
